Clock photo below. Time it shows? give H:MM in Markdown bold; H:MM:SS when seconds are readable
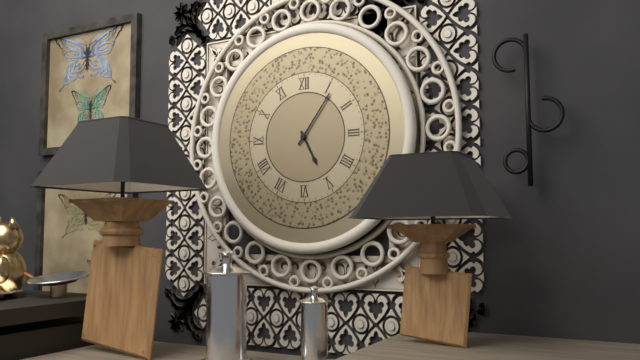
**5:06**
